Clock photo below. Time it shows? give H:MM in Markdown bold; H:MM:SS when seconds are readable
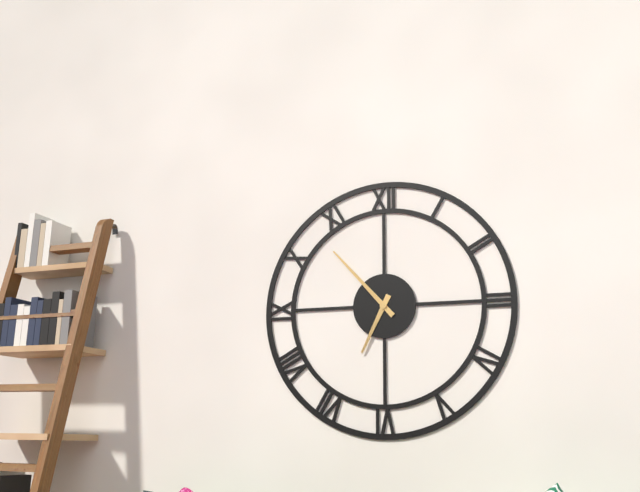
**6:53**
